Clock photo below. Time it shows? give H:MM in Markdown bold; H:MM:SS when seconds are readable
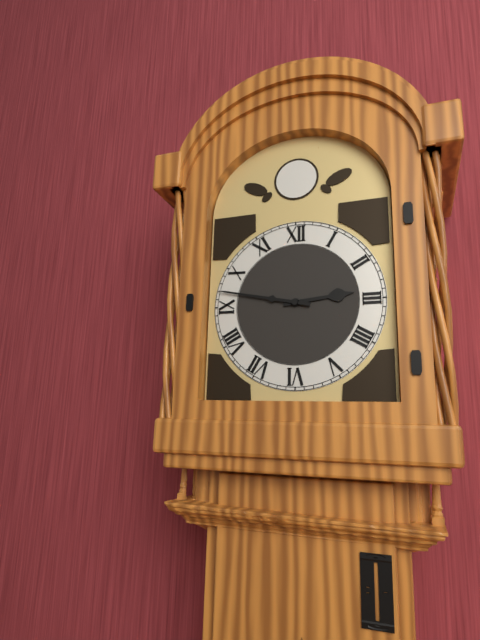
**2:47**
